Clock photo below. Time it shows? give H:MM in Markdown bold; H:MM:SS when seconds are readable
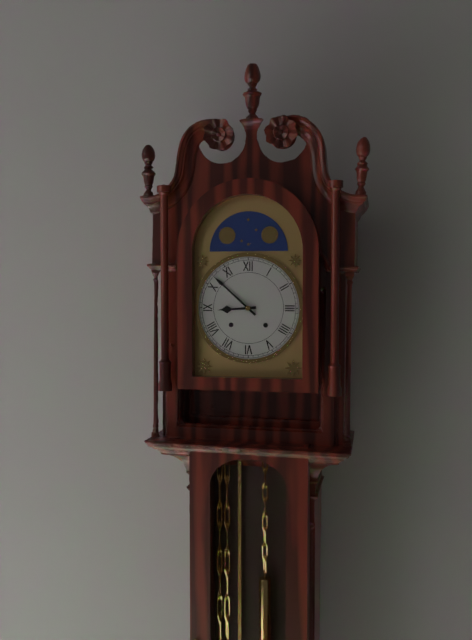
**8:52**
